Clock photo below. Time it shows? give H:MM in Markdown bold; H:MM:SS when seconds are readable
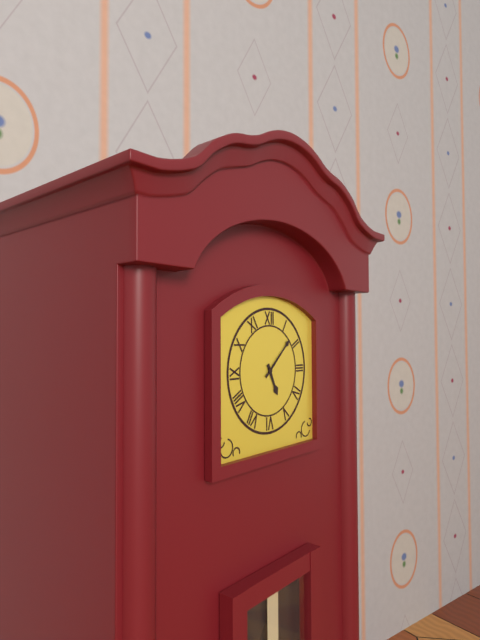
**5:08**
